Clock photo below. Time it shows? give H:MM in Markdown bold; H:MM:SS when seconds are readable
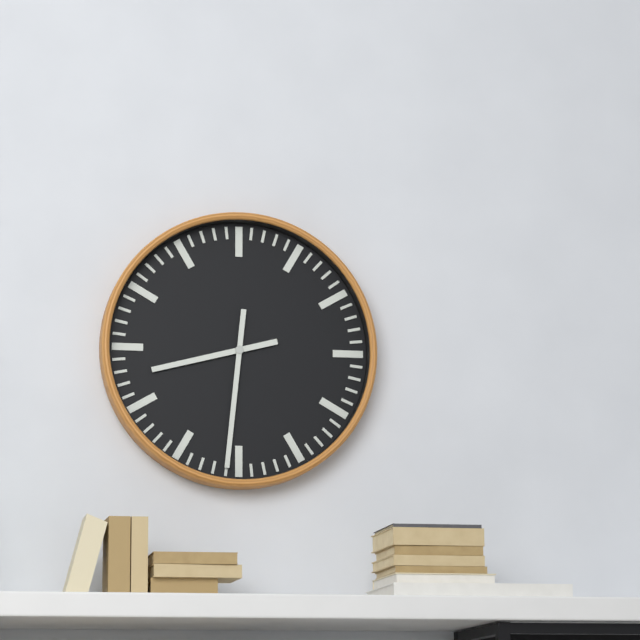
**8:31**
